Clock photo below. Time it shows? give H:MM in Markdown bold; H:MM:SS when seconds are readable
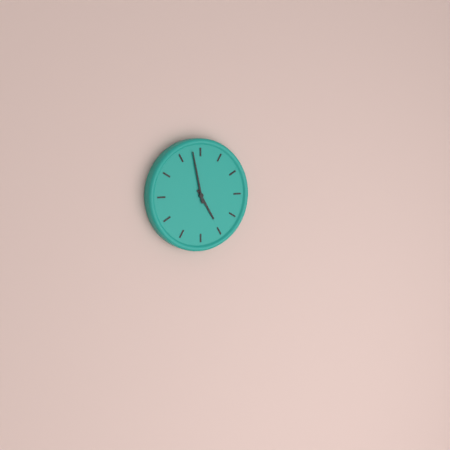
**4:58**
